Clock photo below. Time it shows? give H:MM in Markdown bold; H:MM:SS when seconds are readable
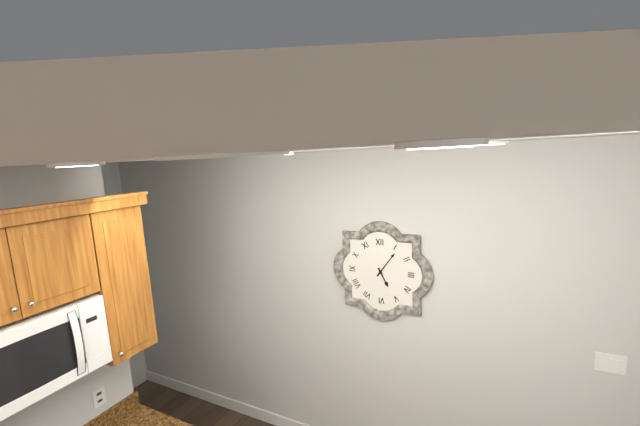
**5:06**
